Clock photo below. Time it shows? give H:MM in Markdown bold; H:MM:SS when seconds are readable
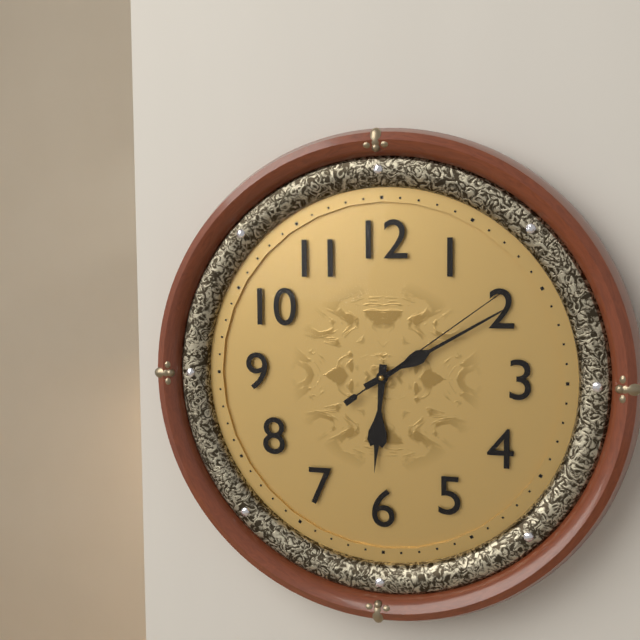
**6:10:09**
